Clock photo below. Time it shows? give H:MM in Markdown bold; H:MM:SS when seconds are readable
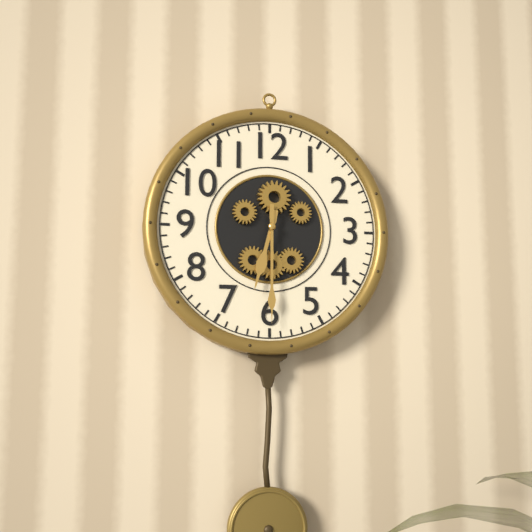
**6:30**
